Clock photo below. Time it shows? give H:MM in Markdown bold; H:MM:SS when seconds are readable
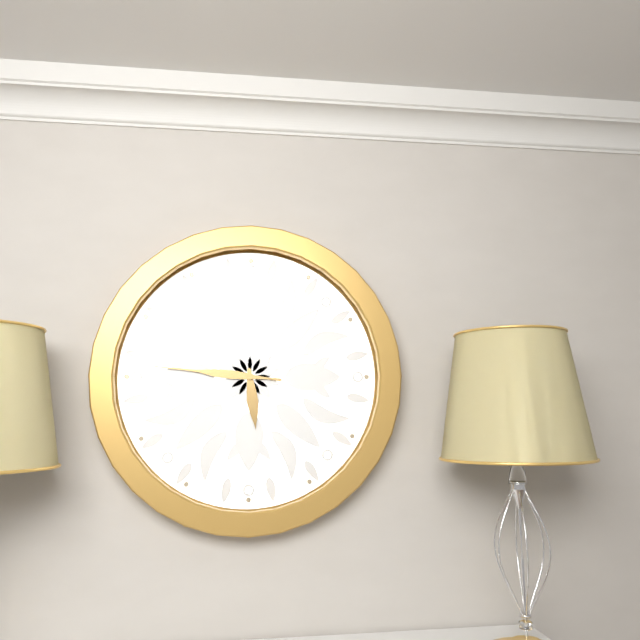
**5:46**
